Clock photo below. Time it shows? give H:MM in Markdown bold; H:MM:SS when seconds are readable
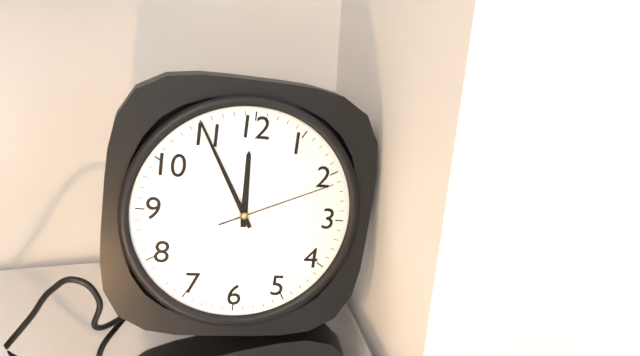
**11:55:11**
